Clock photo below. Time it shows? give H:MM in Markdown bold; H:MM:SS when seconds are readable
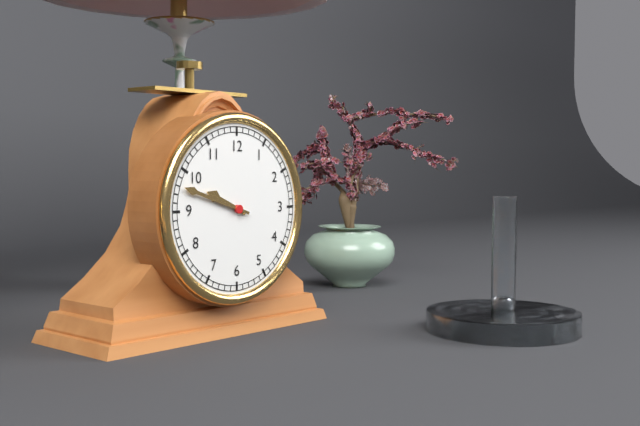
**9:48**
